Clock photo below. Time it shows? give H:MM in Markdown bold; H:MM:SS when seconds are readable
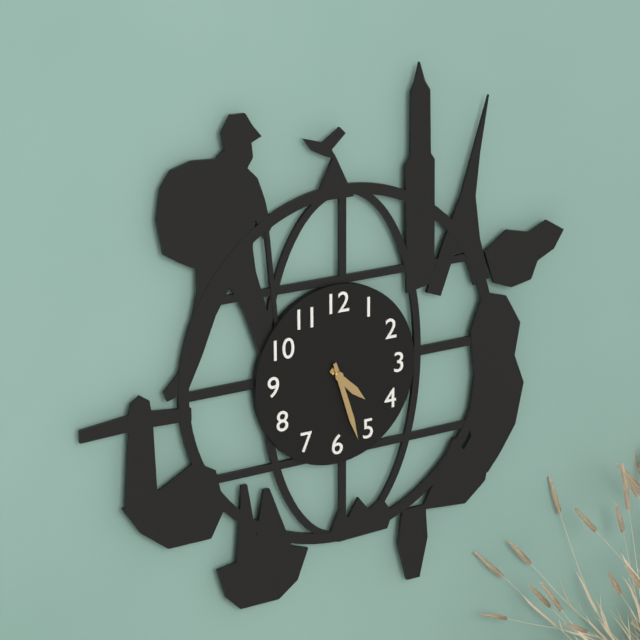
**4:27**
